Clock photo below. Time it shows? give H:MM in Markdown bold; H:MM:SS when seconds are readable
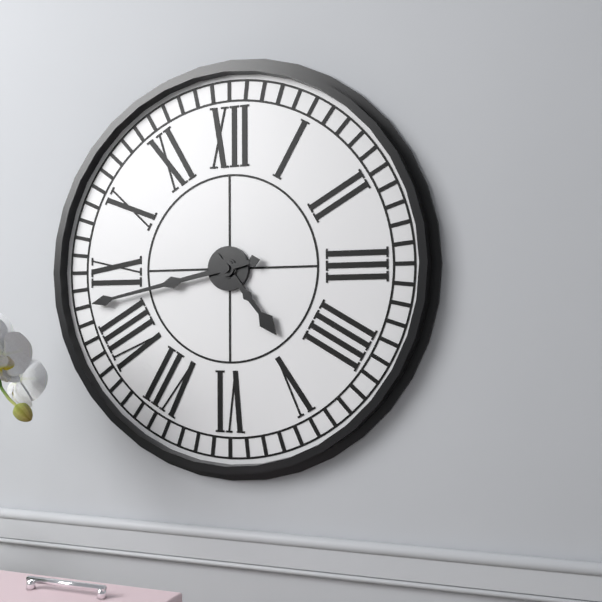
**4:43**
